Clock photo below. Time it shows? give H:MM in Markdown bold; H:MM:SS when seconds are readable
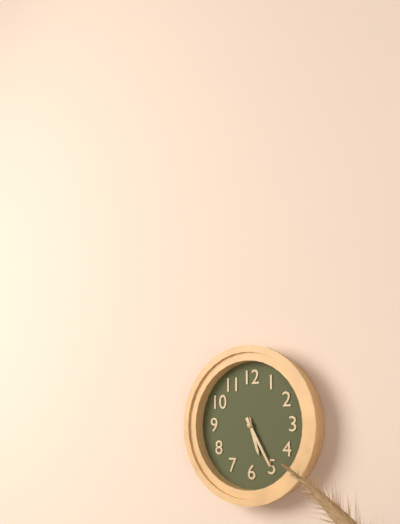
**5:25**
